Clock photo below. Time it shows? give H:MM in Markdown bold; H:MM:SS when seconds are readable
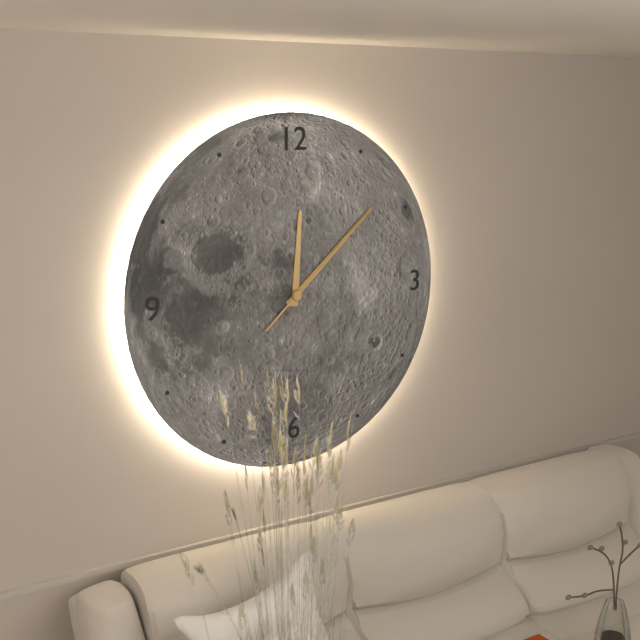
**12:08:08**
